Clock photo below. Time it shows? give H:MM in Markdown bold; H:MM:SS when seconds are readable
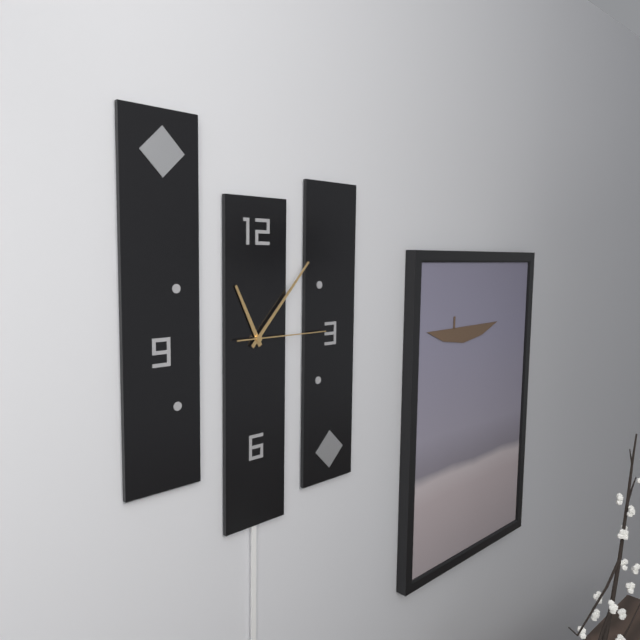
**11:07:15**
